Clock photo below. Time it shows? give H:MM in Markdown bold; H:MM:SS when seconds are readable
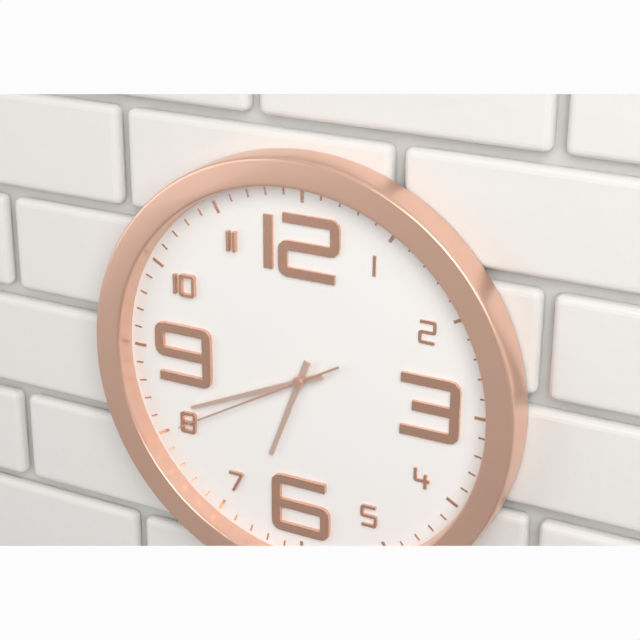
**6:41:40**
